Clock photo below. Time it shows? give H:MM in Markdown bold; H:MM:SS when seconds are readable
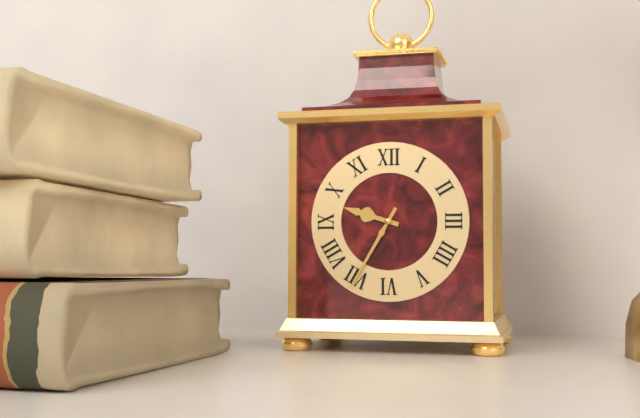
**9:35**
